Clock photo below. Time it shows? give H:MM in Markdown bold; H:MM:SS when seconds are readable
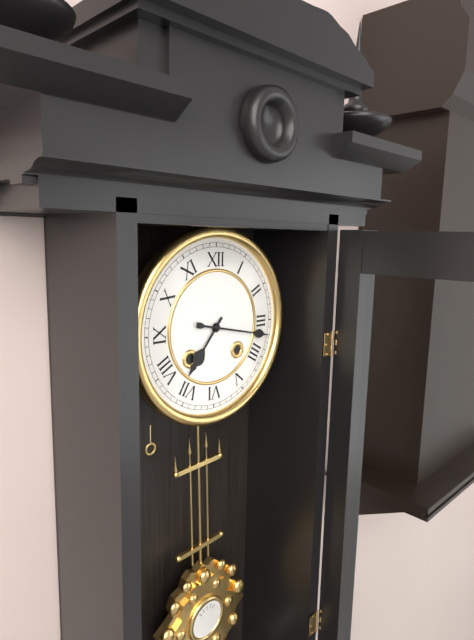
**7:17**
